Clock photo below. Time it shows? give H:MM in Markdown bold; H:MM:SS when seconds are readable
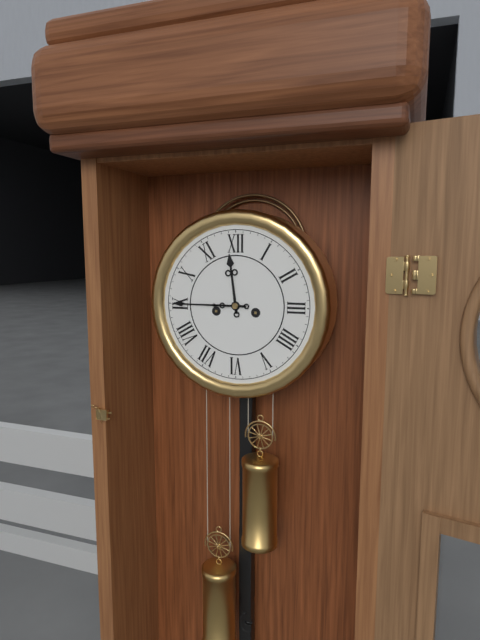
**11:45**
